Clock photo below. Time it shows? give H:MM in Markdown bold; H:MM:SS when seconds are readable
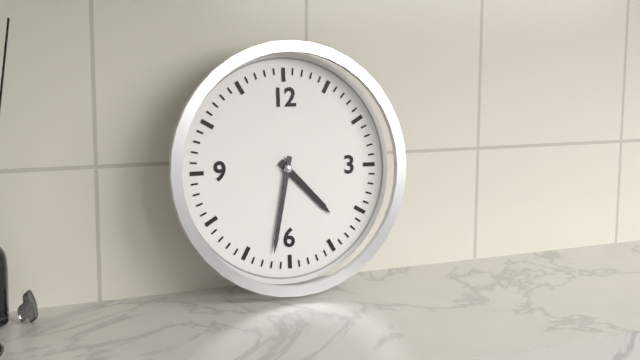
**4:32**
